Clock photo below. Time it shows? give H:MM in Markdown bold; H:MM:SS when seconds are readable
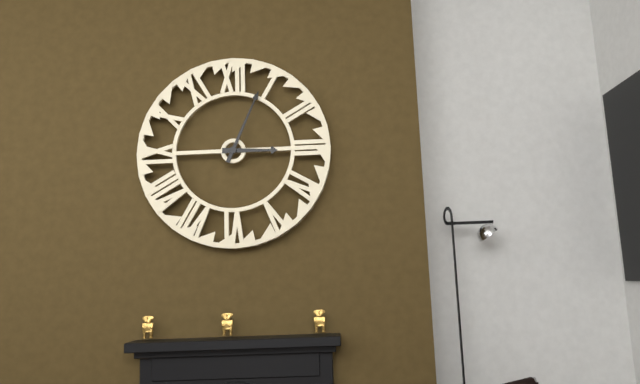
**3:04**
